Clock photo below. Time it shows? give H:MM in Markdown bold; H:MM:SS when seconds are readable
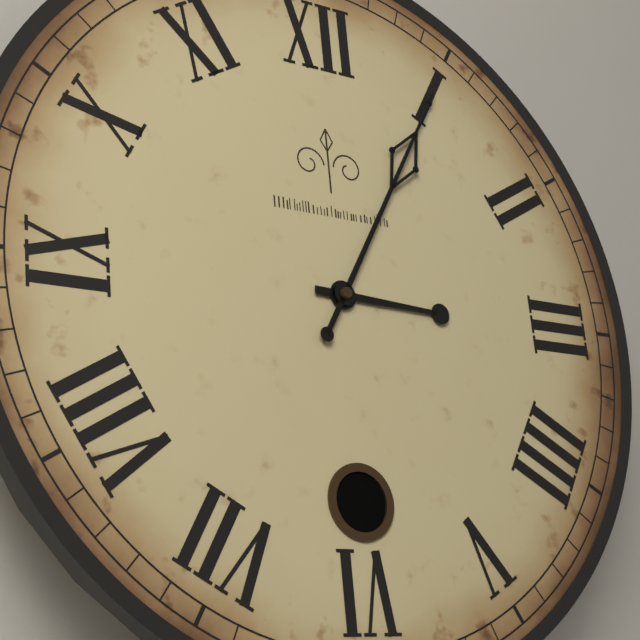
**3:05**
